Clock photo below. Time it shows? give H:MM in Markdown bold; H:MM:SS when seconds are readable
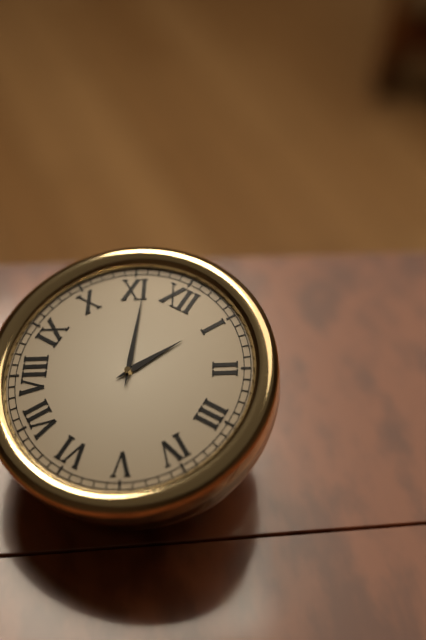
**12:56**
